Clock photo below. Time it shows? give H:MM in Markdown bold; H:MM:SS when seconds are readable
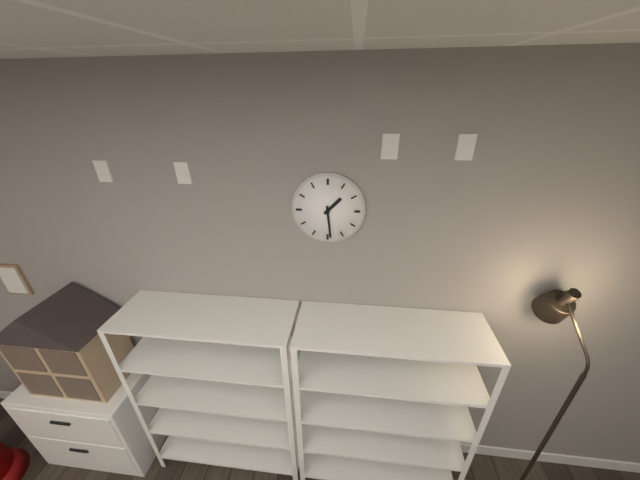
**1:29**
